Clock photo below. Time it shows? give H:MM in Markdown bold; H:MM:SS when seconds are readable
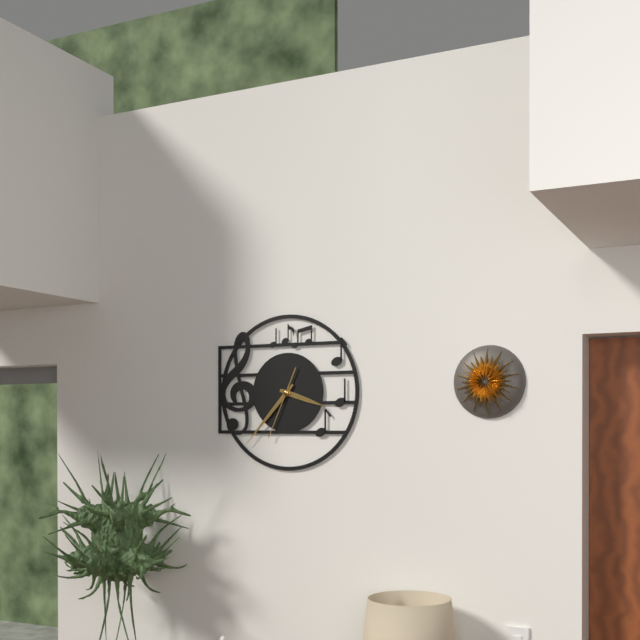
**3:37:34**
